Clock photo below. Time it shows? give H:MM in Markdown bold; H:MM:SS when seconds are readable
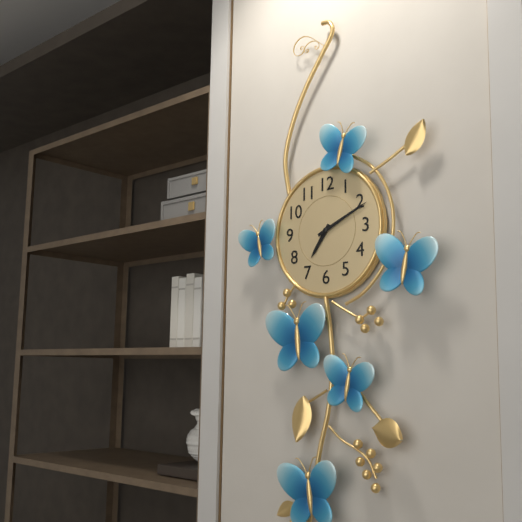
**7:11**
